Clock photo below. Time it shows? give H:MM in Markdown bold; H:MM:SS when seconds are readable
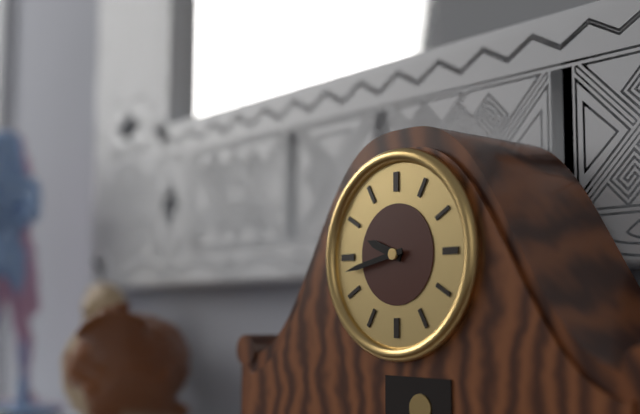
**9:43**
